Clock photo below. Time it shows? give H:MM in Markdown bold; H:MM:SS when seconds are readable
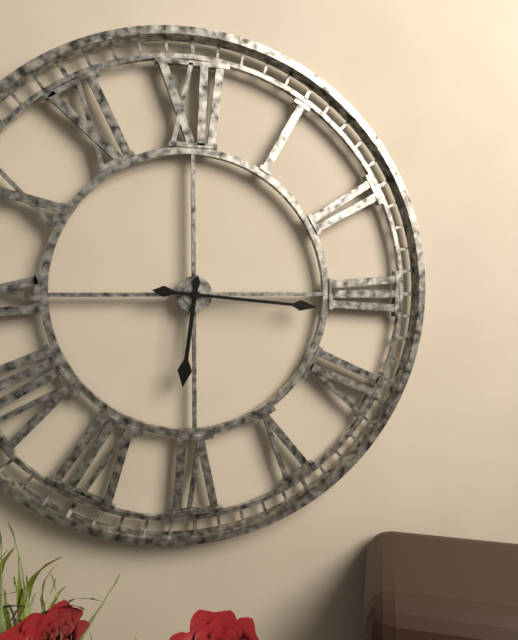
**6:16**
